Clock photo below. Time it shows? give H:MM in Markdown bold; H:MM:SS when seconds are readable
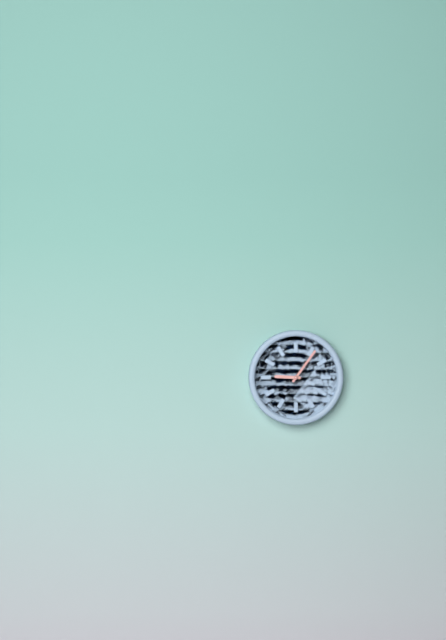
**9:06**
